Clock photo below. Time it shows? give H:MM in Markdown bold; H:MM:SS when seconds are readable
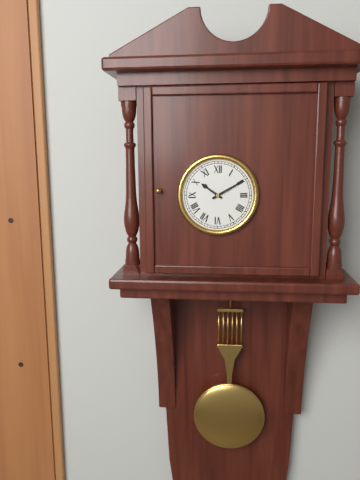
**10:10**
